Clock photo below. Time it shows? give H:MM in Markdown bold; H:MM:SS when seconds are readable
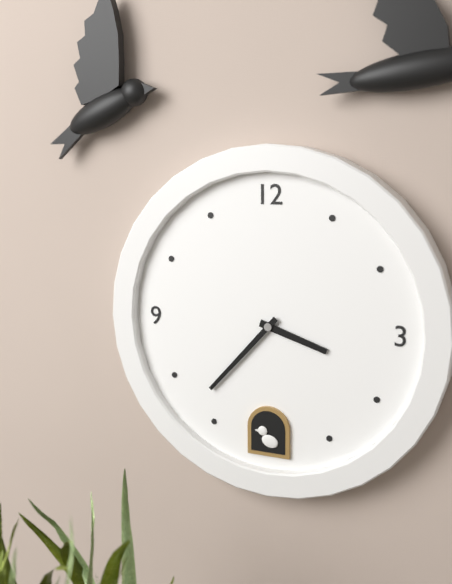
**3:37**
